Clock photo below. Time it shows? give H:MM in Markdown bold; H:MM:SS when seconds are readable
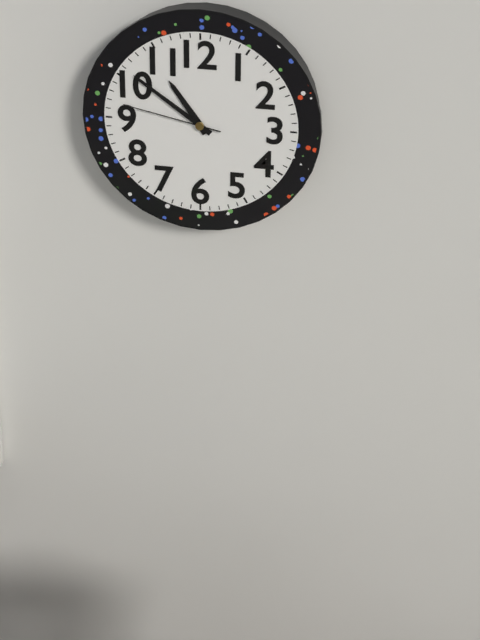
**10:51:47**
